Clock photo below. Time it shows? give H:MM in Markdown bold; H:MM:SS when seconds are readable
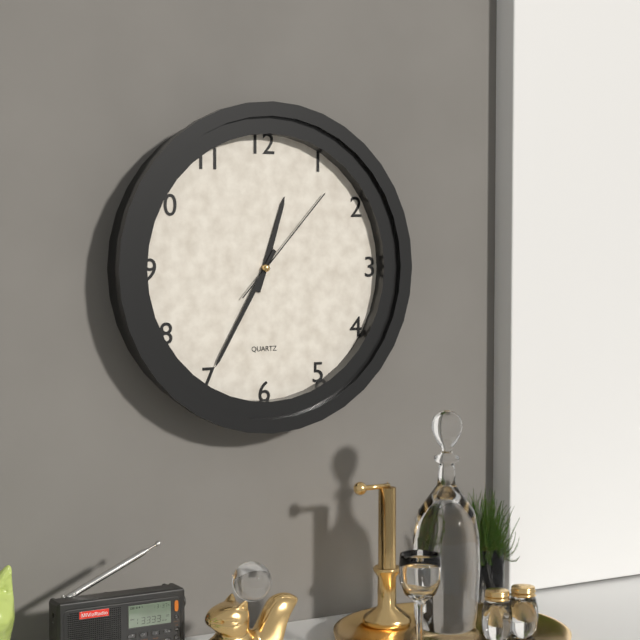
**12:35:07**
